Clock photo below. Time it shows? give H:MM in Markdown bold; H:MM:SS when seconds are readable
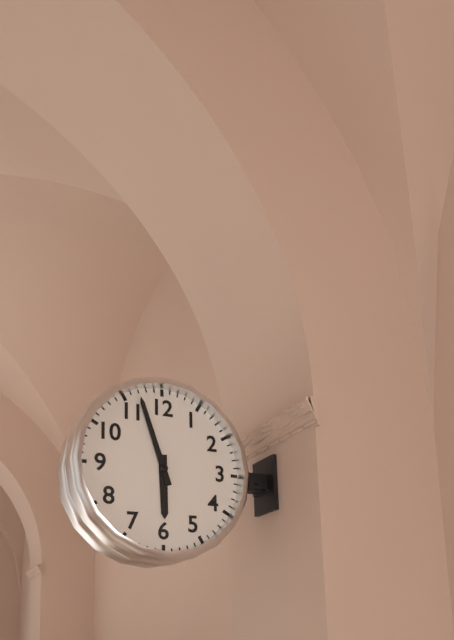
**5:57**
